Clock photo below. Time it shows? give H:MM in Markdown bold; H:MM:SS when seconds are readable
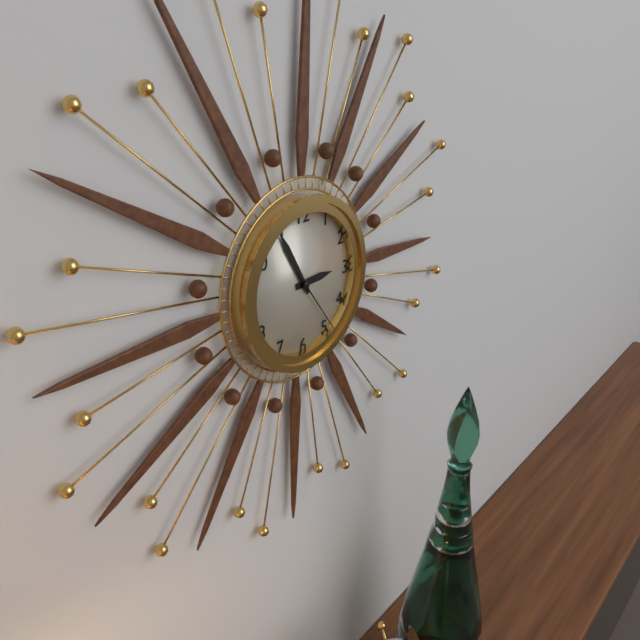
**2:55:24**
